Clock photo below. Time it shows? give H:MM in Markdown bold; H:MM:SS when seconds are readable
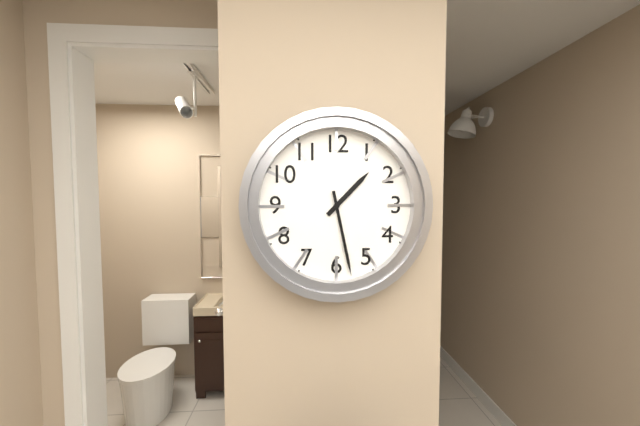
**1:28**
